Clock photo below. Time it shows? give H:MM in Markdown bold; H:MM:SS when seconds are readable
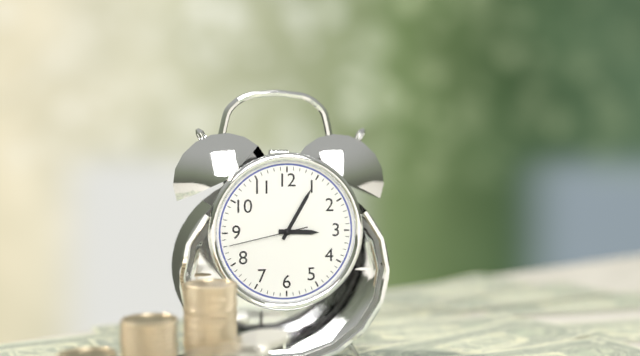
**3:05:43**
